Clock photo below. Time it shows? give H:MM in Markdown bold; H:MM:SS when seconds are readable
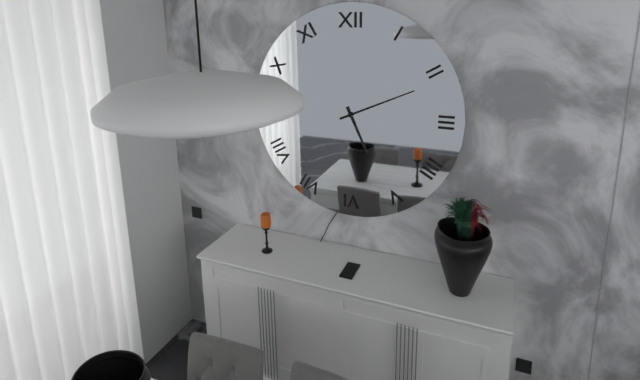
**5:11**
